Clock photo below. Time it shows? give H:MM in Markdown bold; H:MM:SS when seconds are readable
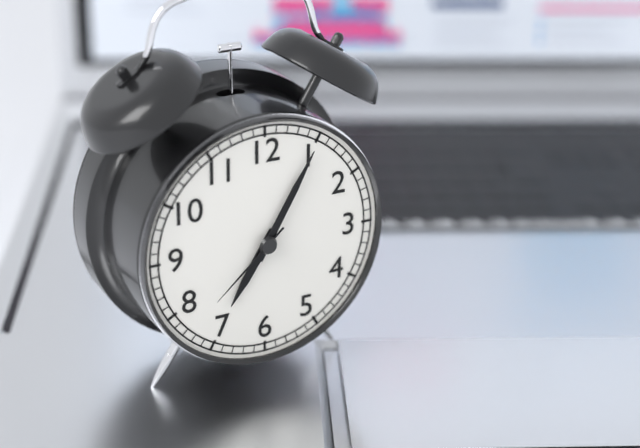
**7:05:38**
